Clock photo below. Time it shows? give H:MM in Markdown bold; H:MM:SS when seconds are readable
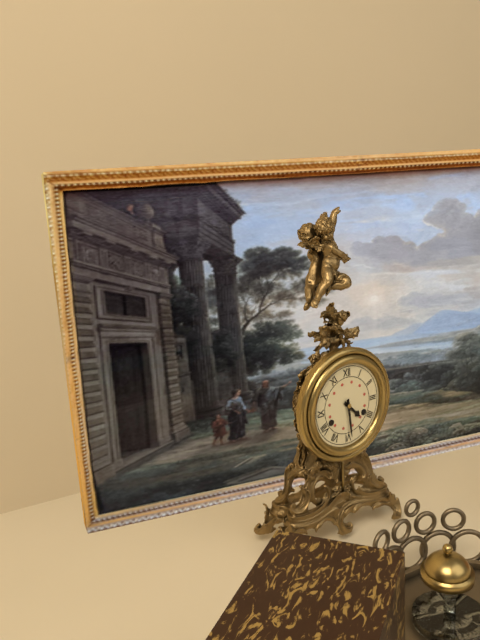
**4:29**
